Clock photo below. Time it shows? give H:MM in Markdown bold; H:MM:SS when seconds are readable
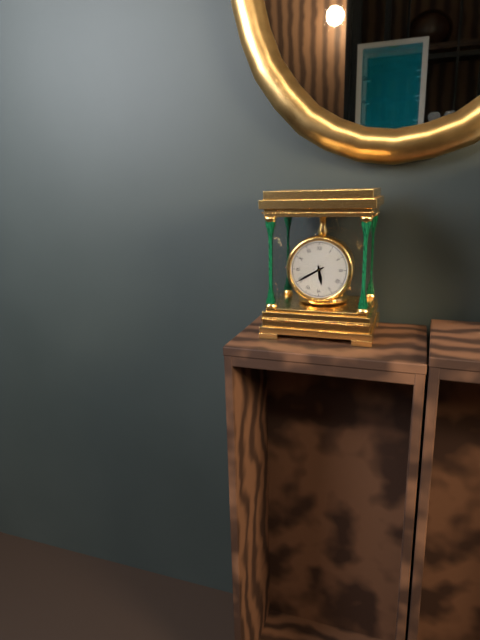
**5:40**
